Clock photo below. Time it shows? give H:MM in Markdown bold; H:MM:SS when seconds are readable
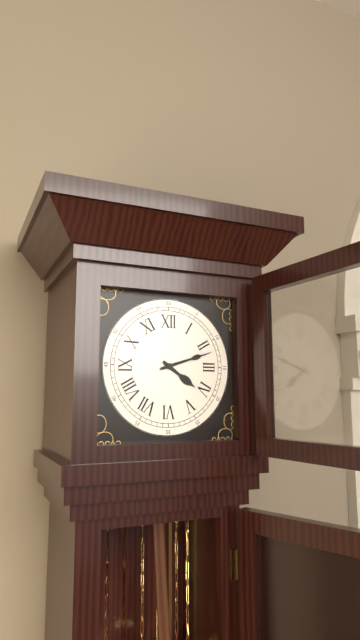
**4:12**
